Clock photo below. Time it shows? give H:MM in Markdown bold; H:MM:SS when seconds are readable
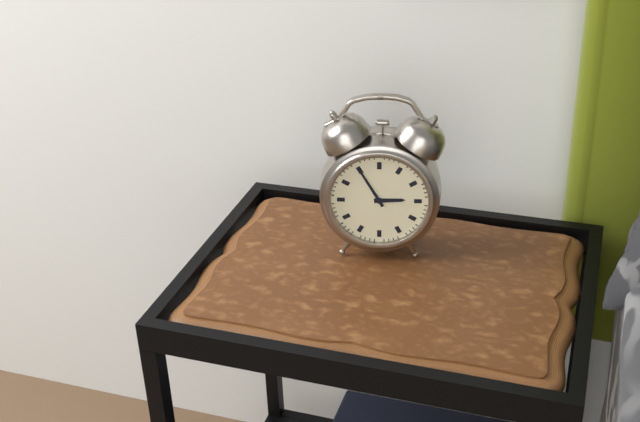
**2:55**
